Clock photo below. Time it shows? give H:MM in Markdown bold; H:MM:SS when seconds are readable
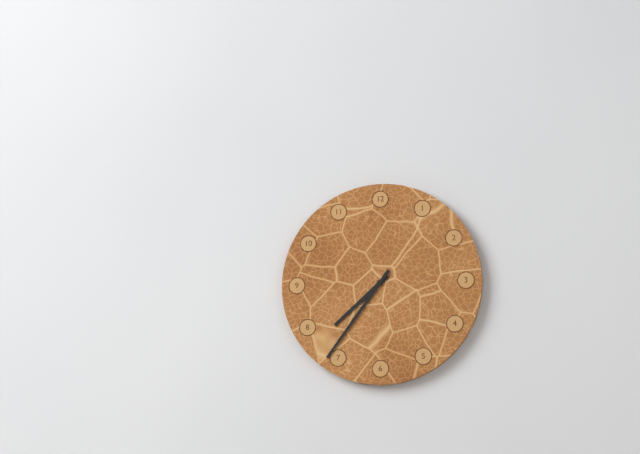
**7:36**
